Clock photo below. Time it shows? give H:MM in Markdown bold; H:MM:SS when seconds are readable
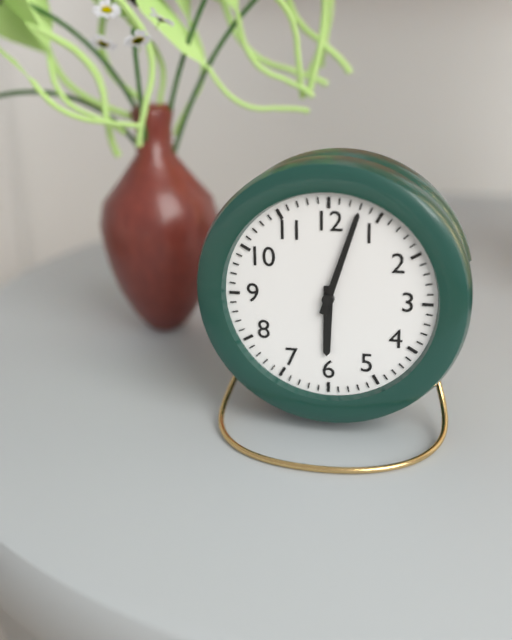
**6:03**
